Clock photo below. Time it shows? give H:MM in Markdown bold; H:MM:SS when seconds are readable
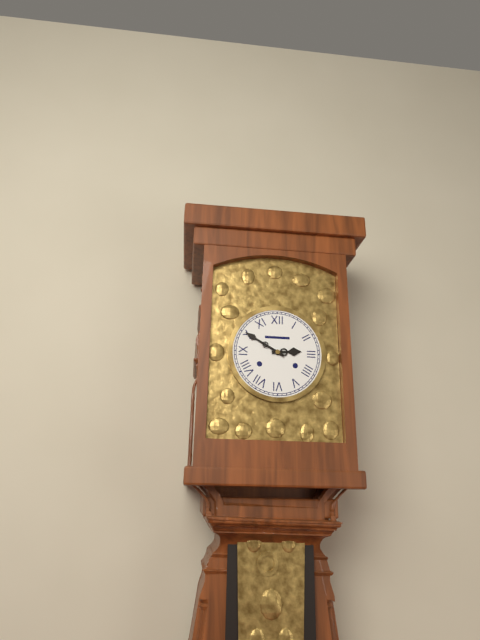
**2:50**
